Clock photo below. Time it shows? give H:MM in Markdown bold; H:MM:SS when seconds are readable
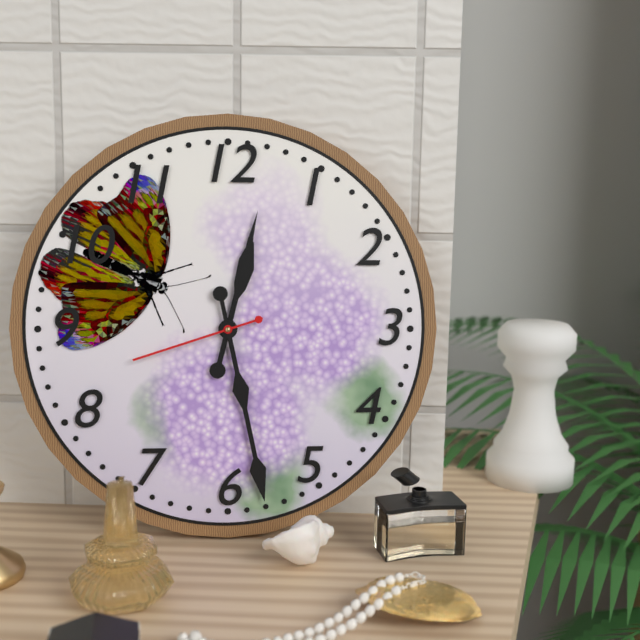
**12:28:42**
